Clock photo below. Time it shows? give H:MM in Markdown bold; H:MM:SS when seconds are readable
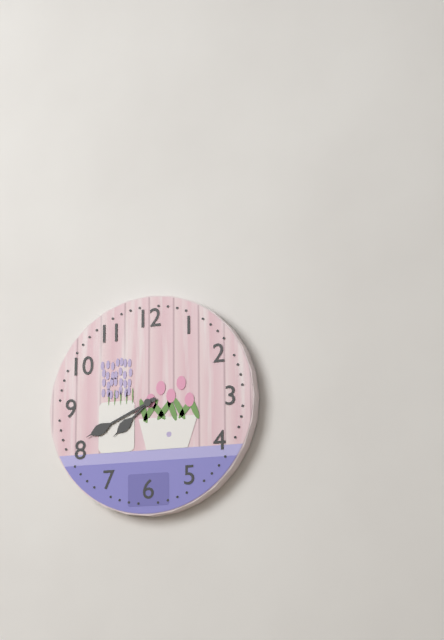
**7:41**
